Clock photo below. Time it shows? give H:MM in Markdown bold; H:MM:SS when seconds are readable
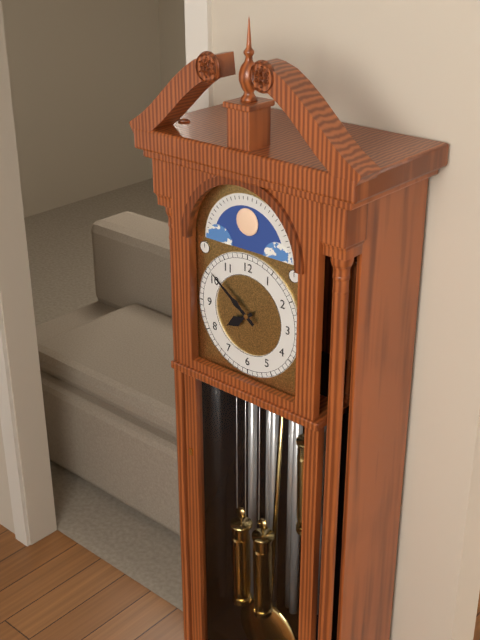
**7:51**
